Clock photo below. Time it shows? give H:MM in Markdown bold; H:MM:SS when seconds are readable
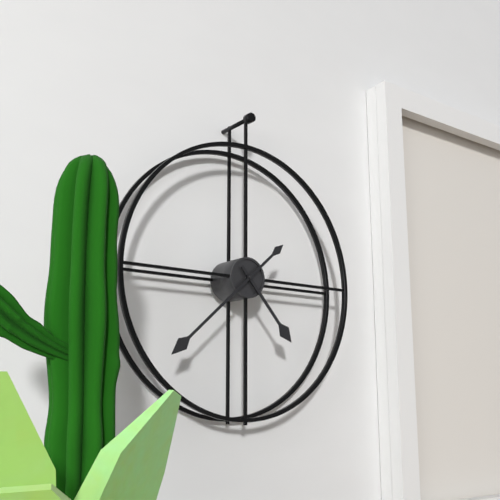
**4:38**
